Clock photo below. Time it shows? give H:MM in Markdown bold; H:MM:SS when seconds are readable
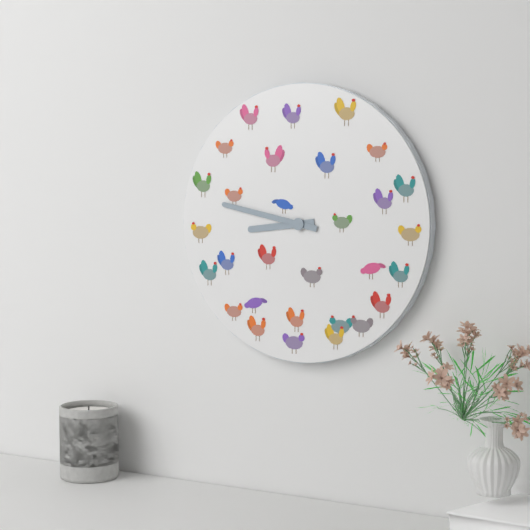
**8:47**
